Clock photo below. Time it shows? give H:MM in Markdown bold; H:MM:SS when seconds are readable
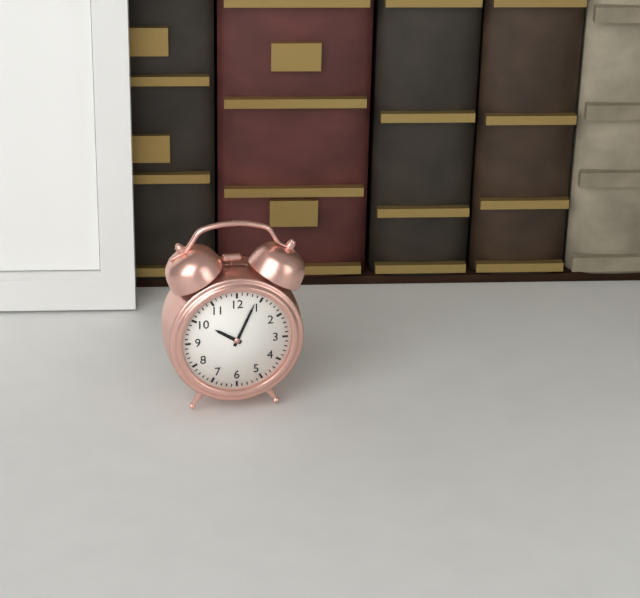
**10:04**
